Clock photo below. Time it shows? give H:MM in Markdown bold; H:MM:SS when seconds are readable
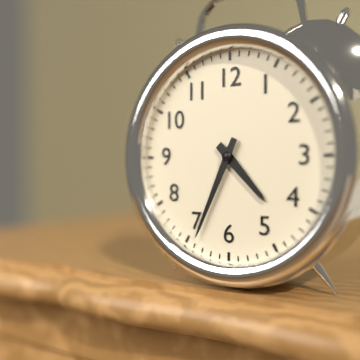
**4:34**
